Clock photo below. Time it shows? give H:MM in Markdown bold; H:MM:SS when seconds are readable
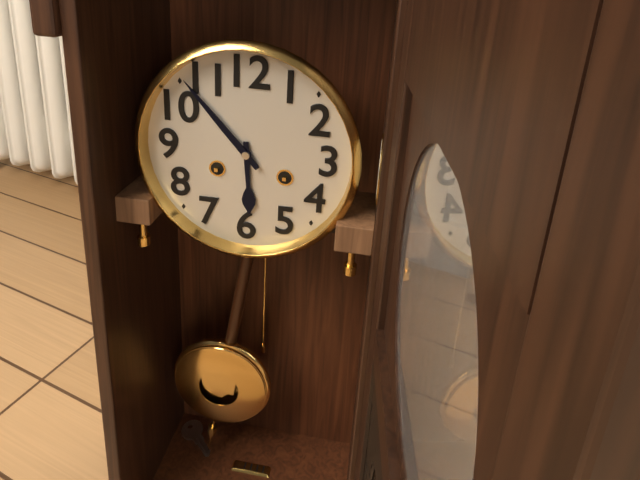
**5:53**
